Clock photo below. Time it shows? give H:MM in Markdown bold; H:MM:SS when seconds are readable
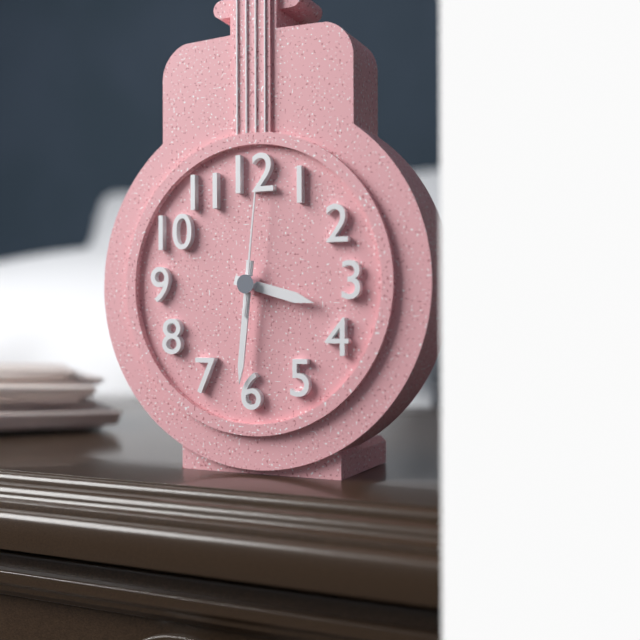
**3:31:01**
